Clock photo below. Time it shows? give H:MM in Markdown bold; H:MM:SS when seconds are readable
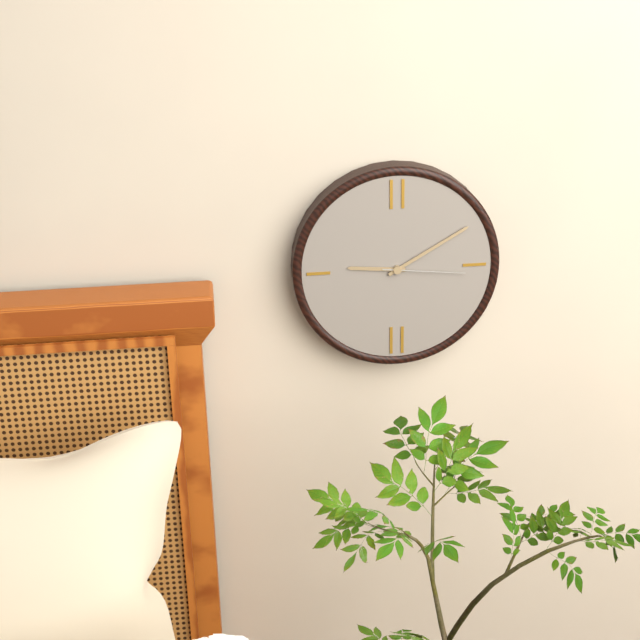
**9:10:16**
